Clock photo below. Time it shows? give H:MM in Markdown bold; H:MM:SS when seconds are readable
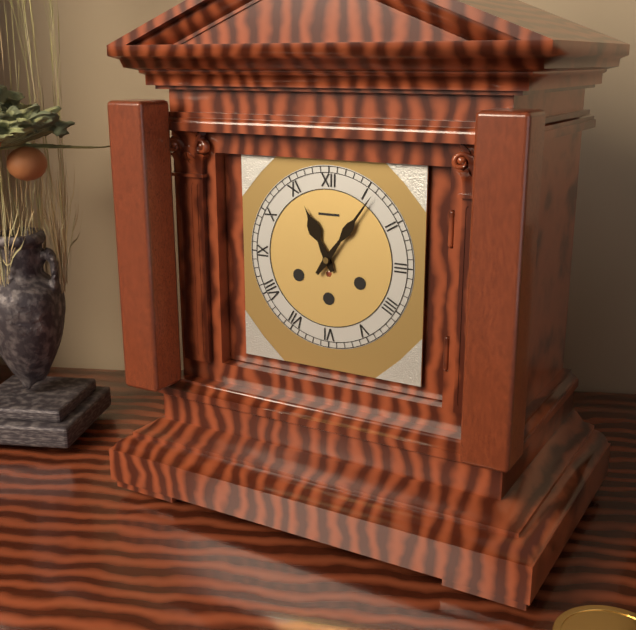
**11:06**
